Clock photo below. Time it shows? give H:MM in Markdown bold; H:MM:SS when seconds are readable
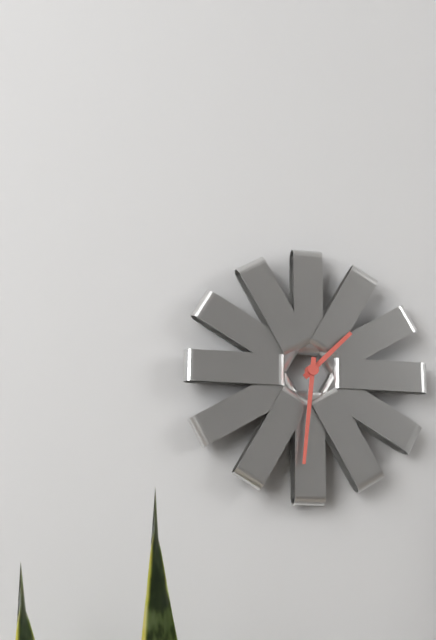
**1:31**
